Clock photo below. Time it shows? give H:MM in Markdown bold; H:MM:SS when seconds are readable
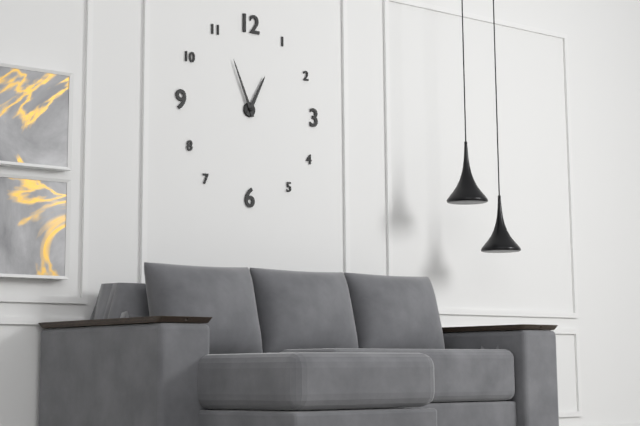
**12:56**
